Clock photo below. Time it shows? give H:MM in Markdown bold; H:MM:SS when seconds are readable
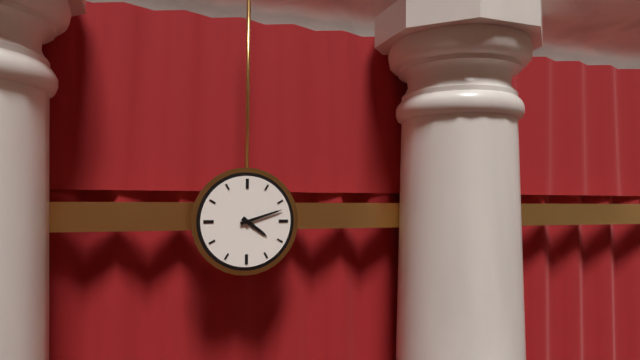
**4:12**
